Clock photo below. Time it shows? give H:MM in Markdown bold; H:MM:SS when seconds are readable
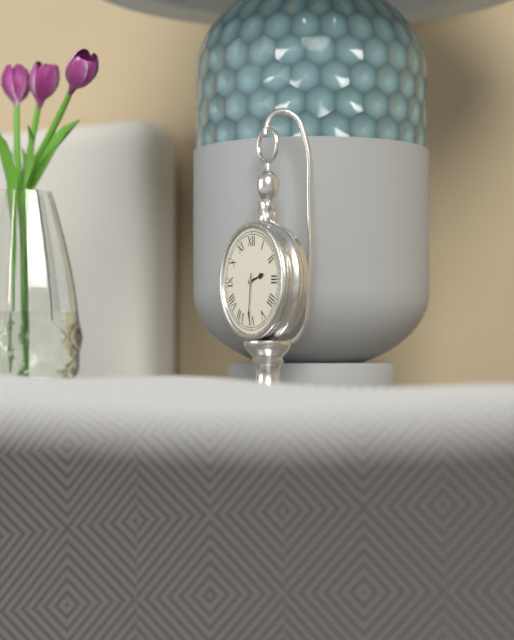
**2:31**
